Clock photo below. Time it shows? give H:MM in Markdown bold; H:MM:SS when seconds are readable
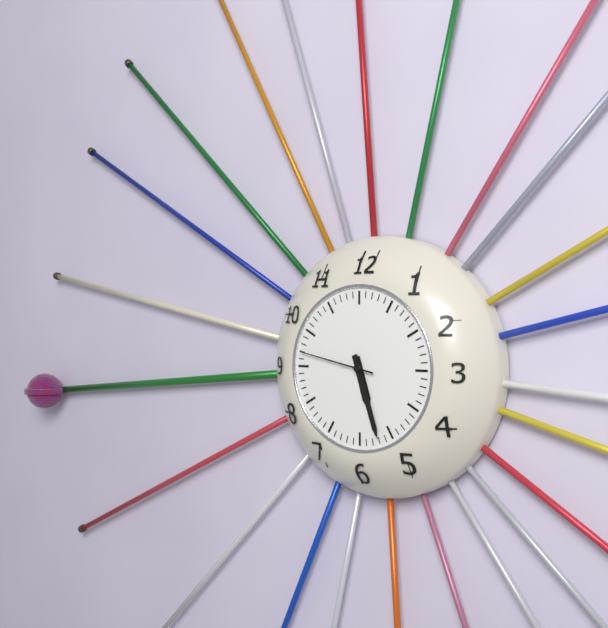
**5:27:47**
